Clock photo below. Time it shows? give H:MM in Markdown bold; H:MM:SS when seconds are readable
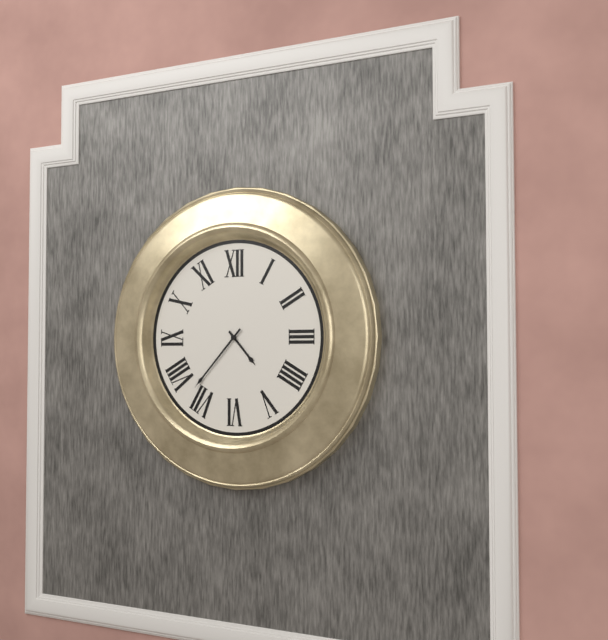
**4:37**
